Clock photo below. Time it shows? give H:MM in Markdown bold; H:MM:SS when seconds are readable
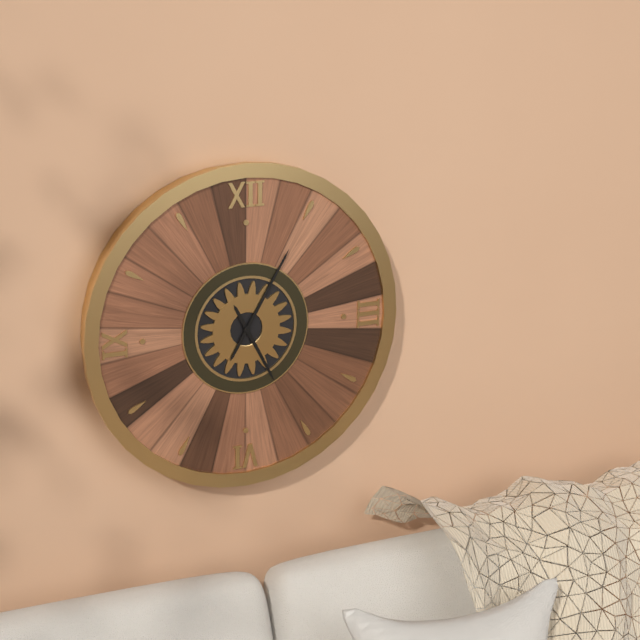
**5:05**
